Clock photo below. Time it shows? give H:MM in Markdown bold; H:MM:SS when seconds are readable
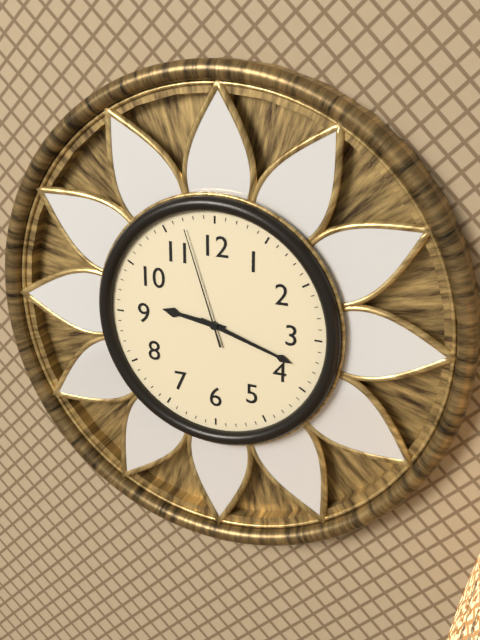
**9:18:57**
